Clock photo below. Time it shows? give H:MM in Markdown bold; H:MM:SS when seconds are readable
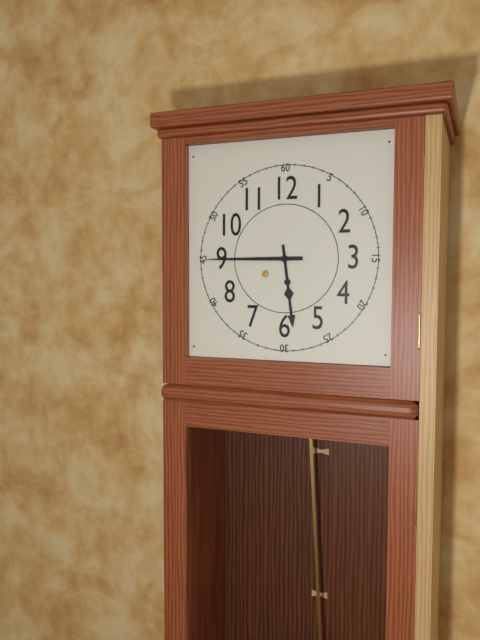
**5:45**
